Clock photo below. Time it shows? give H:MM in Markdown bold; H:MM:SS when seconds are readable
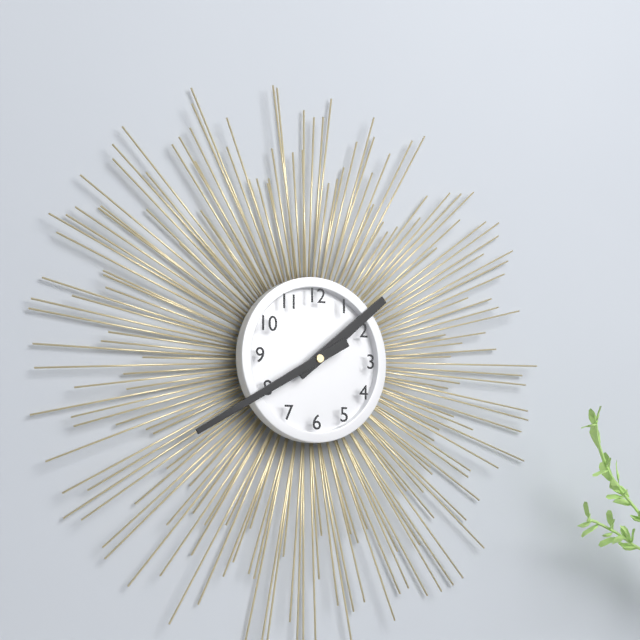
**1:40**
